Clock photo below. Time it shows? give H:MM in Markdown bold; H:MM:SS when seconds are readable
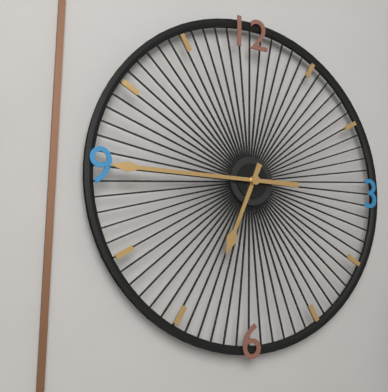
**6:45**
